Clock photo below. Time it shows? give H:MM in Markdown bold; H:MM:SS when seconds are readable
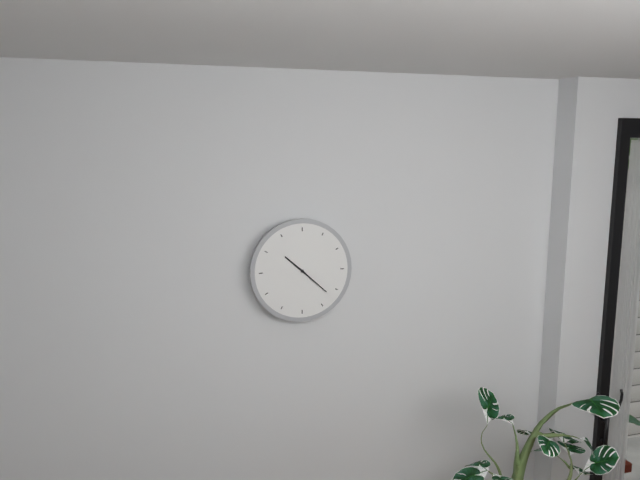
**10:22**
